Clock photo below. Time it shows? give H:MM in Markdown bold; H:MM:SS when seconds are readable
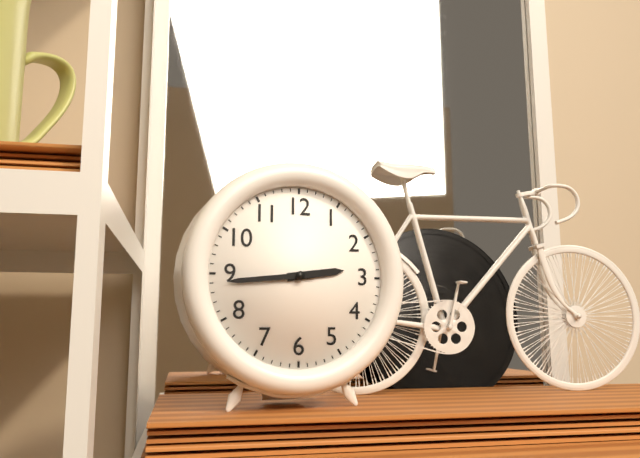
**2:44**
